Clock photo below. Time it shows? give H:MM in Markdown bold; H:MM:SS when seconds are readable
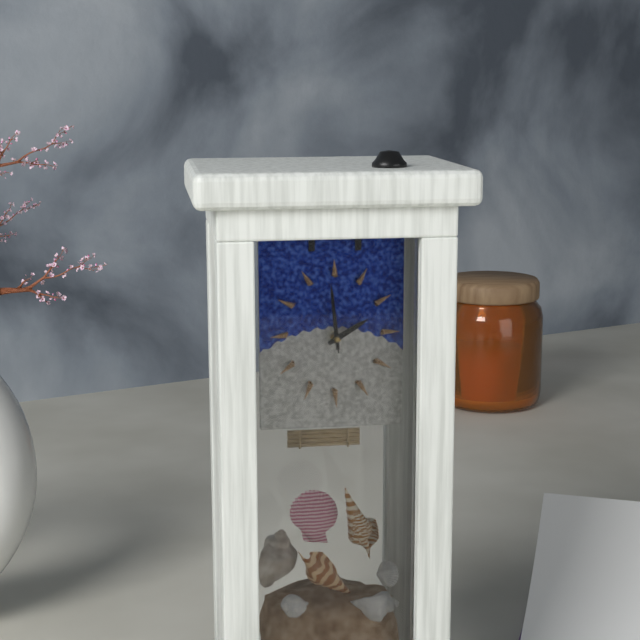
**1:59:59**
